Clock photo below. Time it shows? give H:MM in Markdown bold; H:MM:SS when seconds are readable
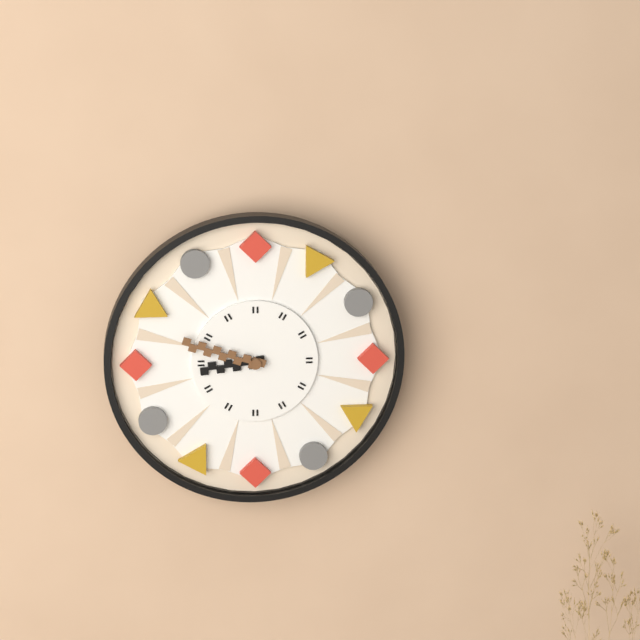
**8:48**
